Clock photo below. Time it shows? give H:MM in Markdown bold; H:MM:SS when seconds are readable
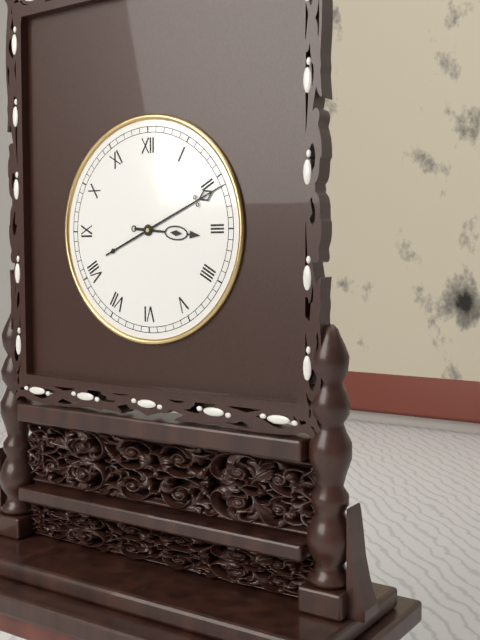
**3:11**
